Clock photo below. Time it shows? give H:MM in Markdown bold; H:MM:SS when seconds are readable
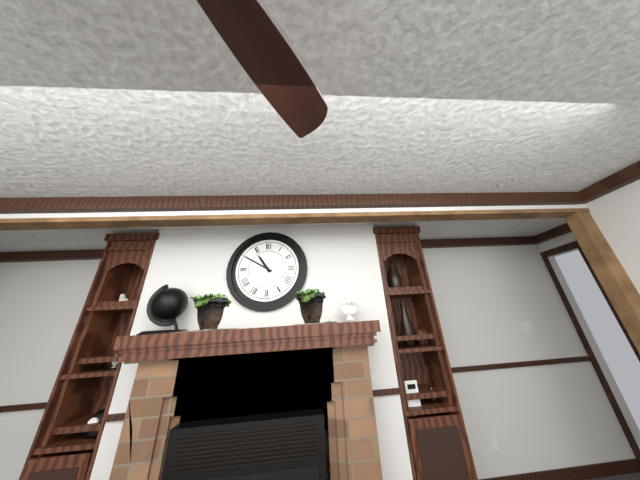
**10:50**
